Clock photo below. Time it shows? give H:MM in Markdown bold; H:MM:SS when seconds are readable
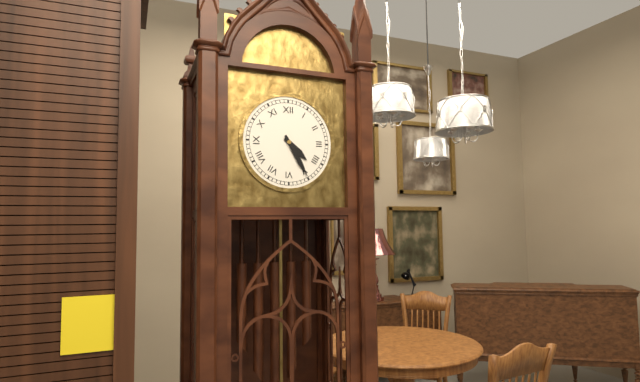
**4:25**
